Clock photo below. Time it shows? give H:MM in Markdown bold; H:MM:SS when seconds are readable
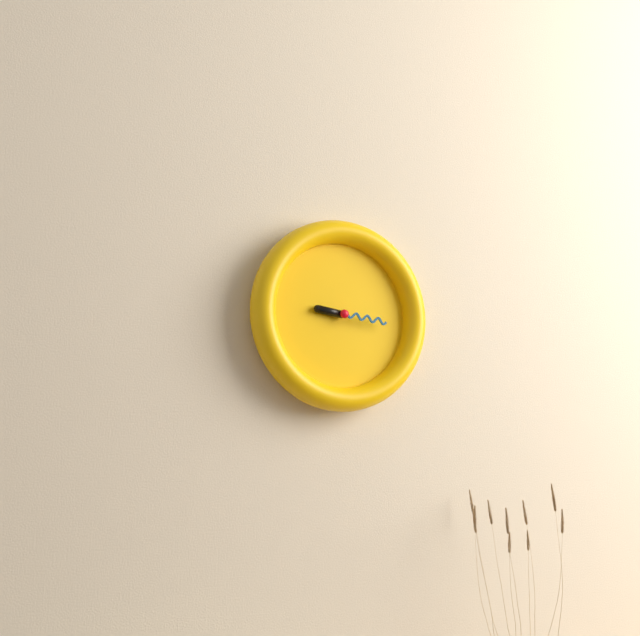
**9:16**
